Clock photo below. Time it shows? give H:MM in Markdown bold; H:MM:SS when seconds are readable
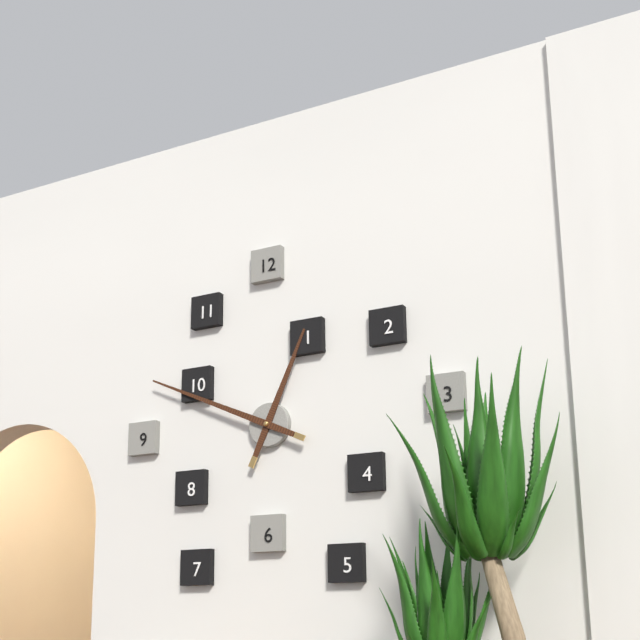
**12:49**
